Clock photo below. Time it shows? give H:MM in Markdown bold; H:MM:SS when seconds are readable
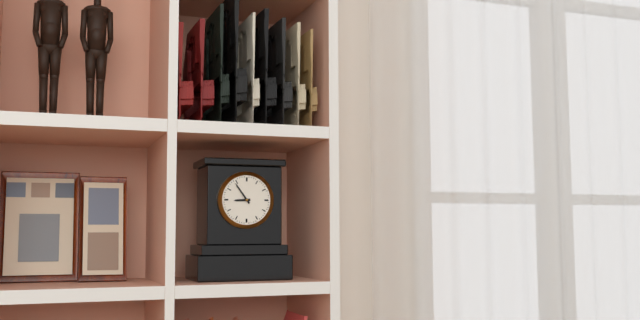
**8:54**
